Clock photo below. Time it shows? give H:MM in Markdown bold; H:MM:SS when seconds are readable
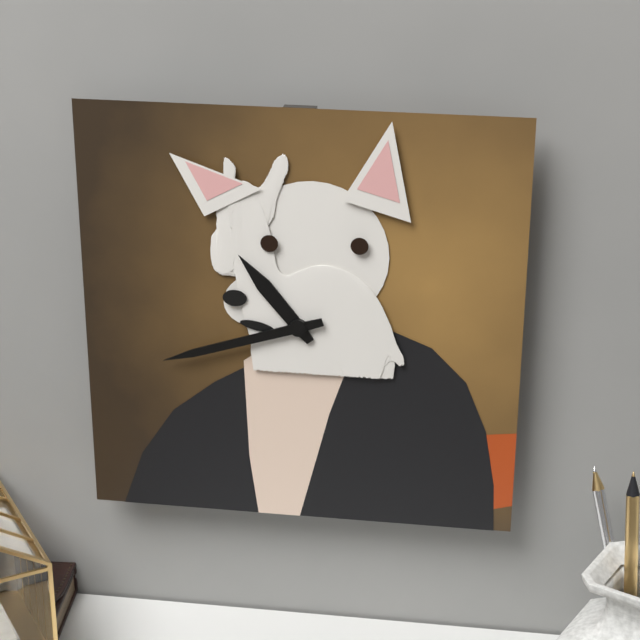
**10:42**
